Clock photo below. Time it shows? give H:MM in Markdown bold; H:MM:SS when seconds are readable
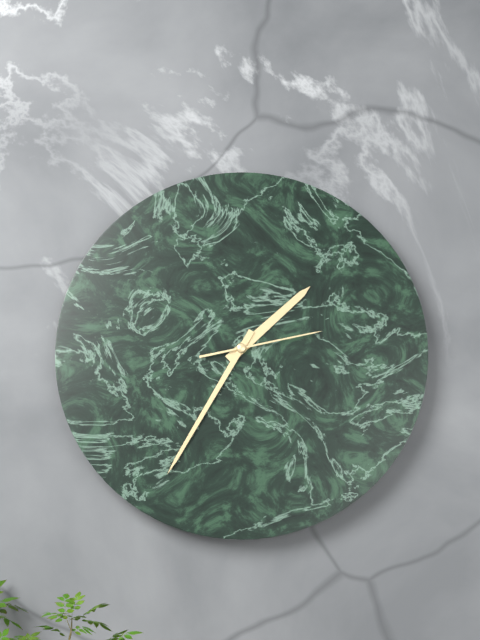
**1:35:13**
